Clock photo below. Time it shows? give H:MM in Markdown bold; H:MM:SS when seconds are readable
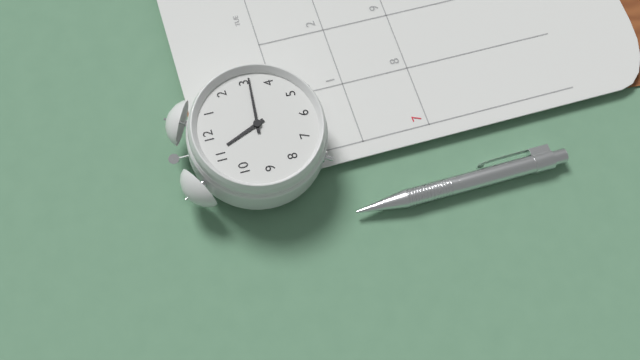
**11:16**
